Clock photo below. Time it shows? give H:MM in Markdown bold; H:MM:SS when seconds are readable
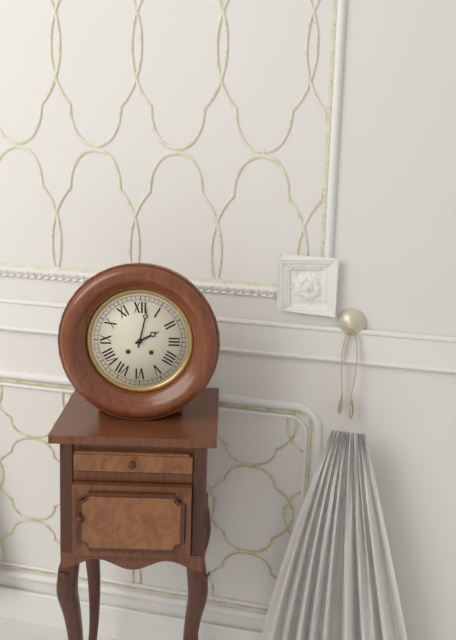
**2:02**
